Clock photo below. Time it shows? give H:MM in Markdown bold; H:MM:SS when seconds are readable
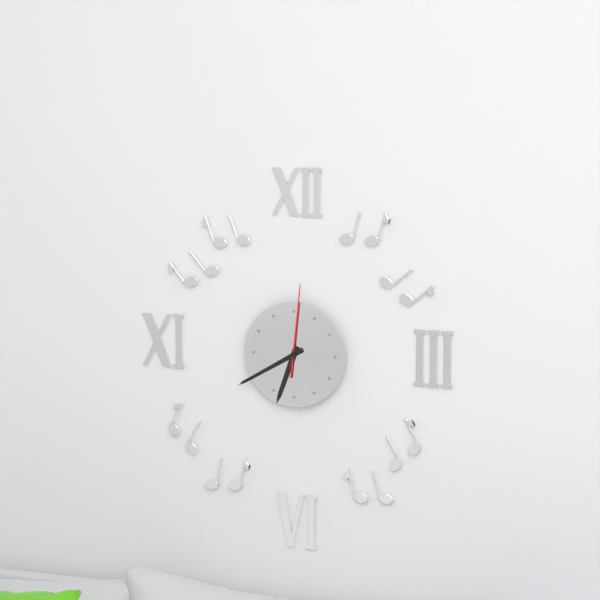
**6:40:01**
